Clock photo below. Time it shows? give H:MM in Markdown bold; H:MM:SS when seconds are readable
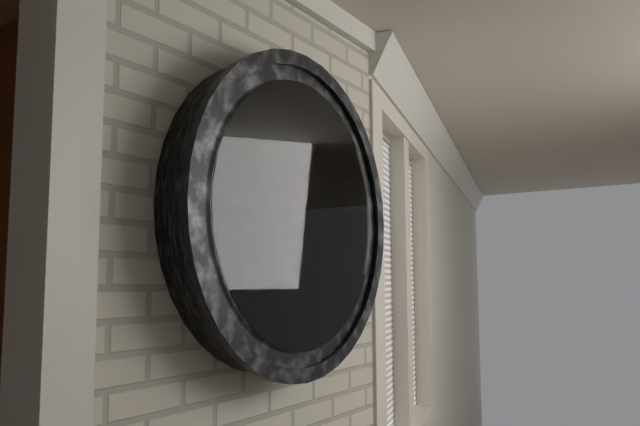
**9:02**
